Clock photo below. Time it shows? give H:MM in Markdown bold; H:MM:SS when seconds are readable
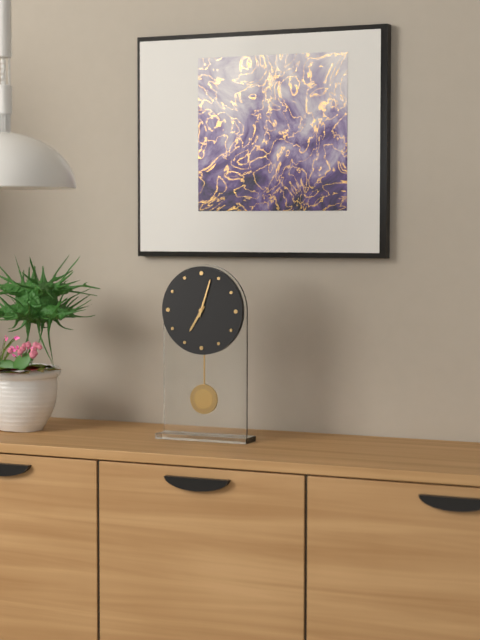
**7:03**
